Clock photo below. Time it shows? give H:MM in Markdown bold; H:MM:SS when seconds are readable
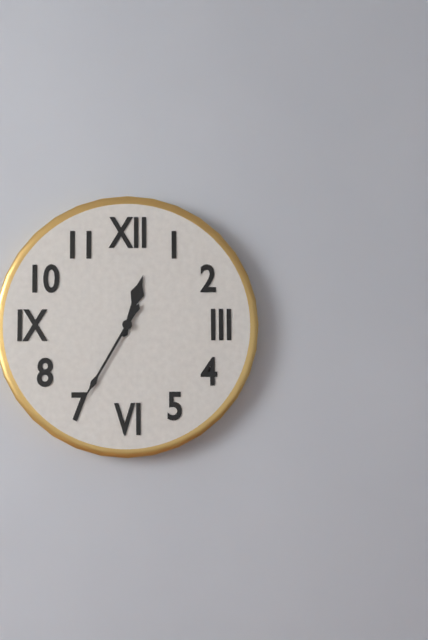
**12:35**
